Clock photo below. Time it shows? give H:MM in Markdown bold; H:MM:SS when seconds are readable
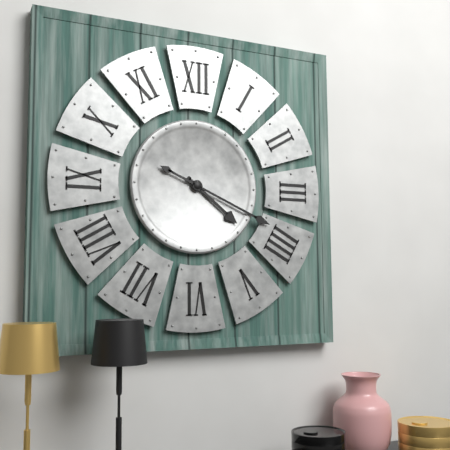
**4:19**
